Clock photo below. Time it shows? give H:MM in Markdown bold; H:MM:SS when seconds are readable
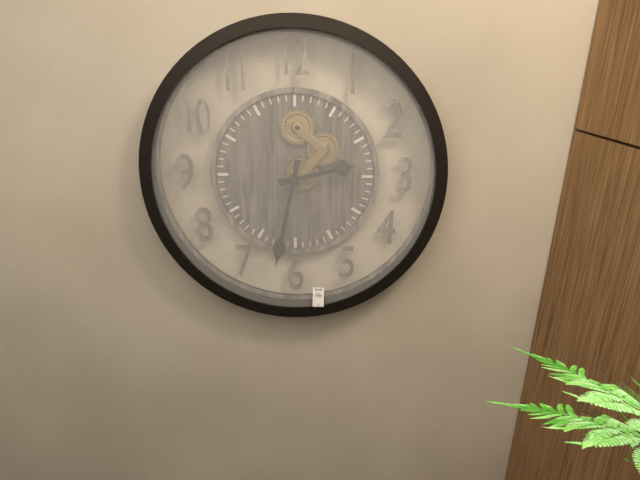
**2:32**
